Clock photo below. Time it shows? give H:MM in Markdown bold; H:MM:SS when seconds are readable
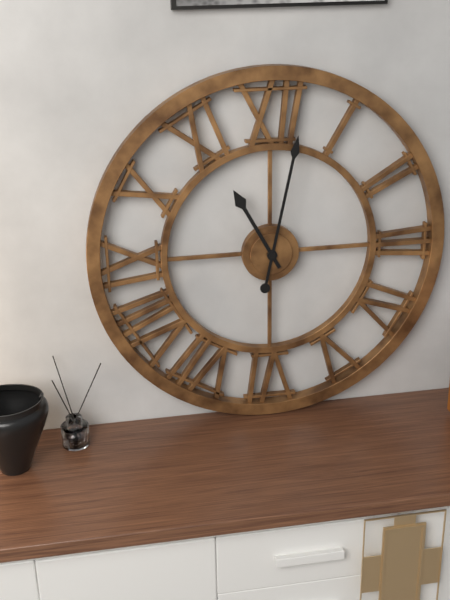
**11:02**
